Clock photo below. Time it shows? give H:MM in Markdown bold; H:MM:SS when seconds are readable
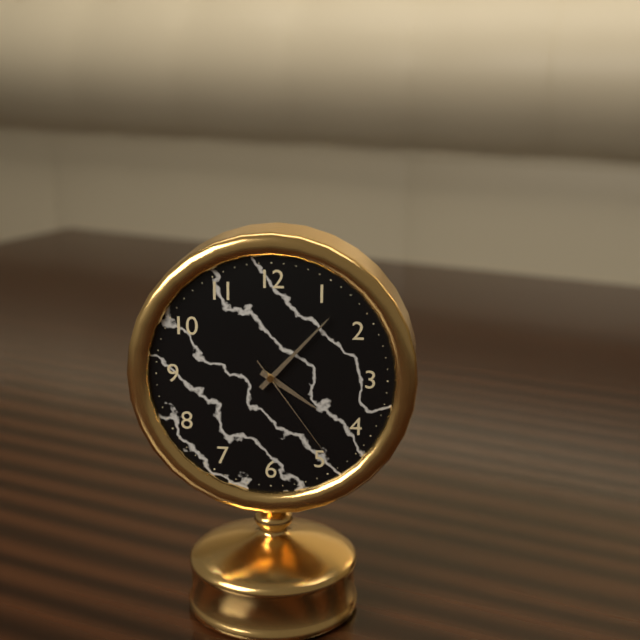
**4:07:24**
